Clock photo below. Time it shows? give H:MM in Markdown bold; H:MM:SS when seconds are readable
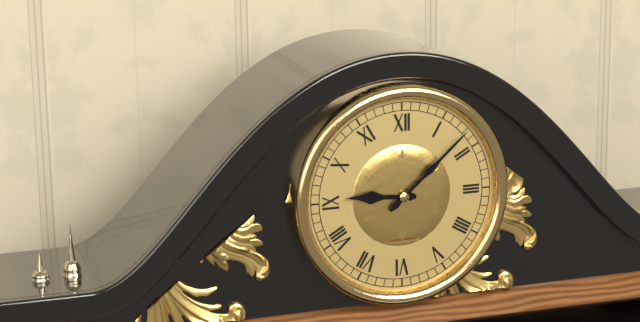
**9:08**
